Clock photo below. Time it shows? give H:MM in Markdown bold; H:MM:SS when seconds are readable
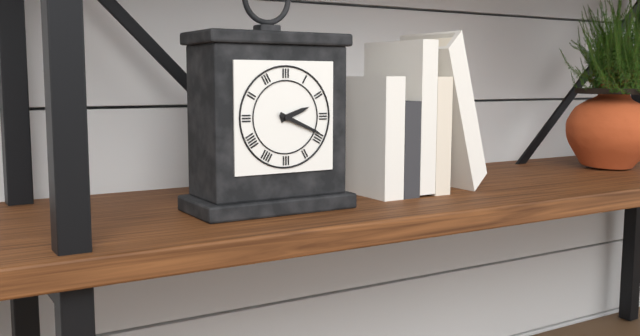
**2:19**
